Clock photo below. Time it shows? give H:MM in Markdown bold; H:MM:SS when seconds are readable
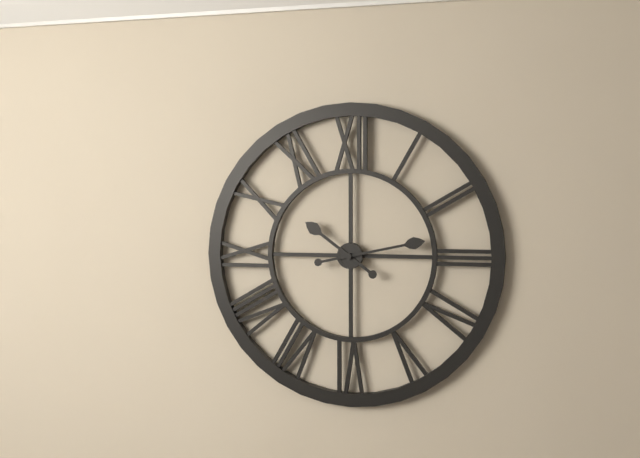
**10:13**
